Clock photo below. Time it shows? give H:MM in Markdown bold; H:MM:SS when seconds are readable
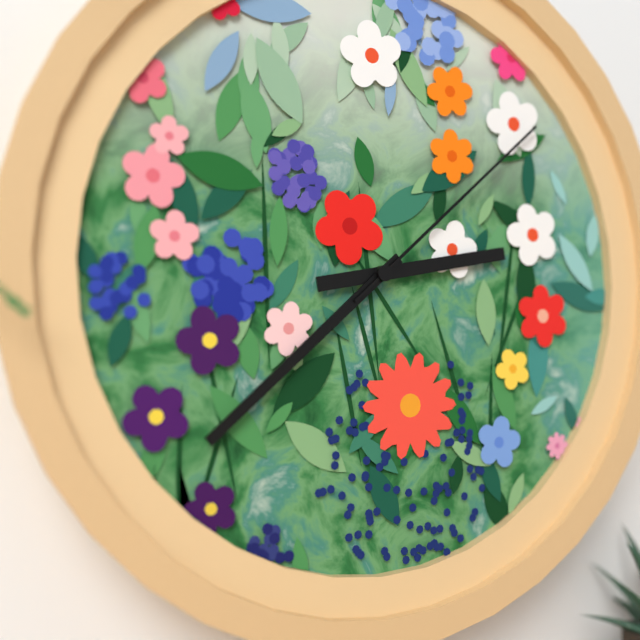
**2:38:08**
